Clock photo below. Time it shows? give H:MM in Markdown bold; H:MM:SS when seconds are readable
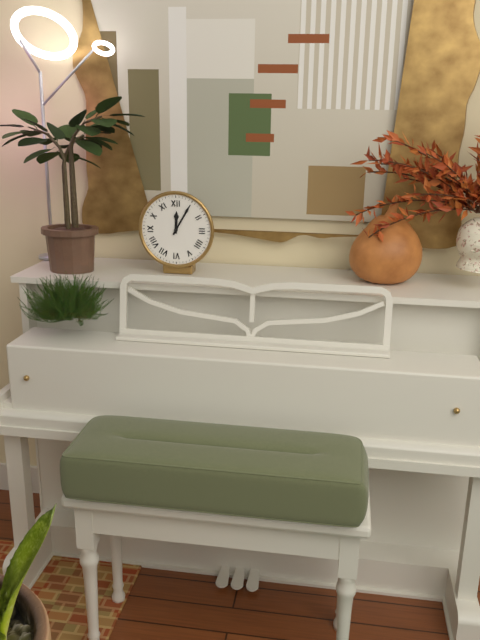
**12:05**
